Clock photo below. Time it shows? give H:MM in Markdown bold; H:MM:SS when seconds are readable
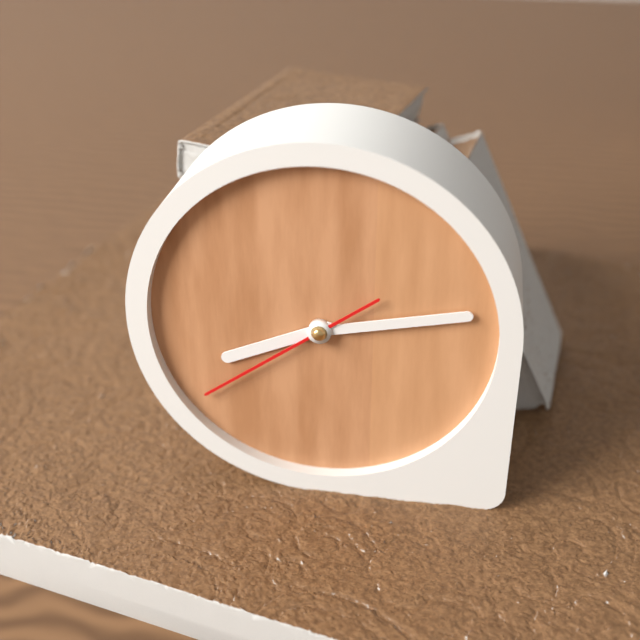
**8:13:39**
